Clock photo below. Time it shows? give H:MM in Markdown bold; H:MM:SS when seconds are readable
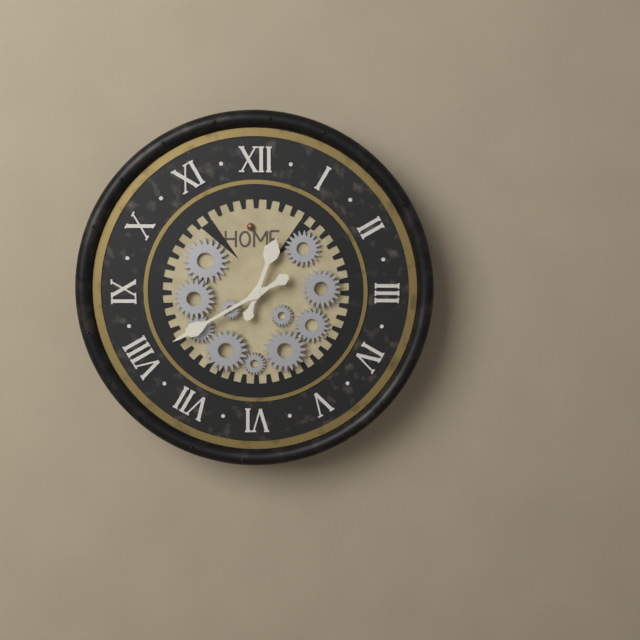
**12:40**
